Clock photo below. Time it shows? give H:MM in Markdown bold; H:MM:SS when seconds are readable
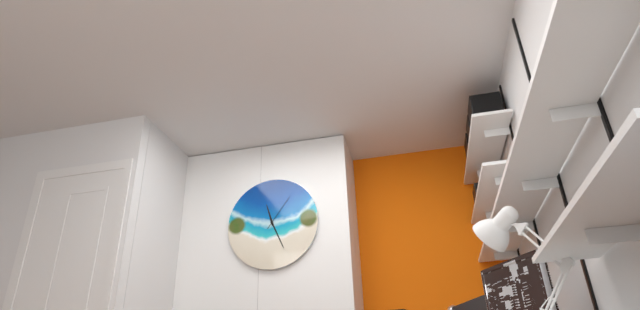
**11:26**
